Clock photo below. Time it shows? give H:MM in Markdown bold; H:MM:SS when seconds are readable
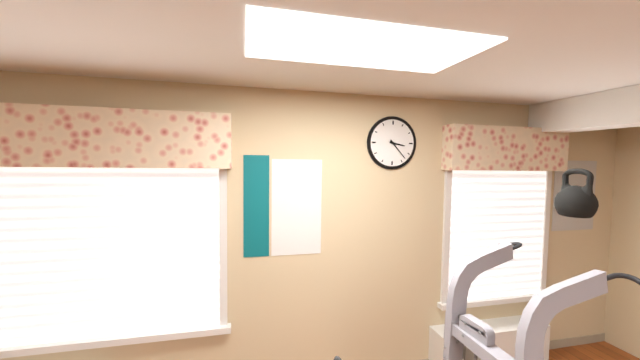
**3:23**
